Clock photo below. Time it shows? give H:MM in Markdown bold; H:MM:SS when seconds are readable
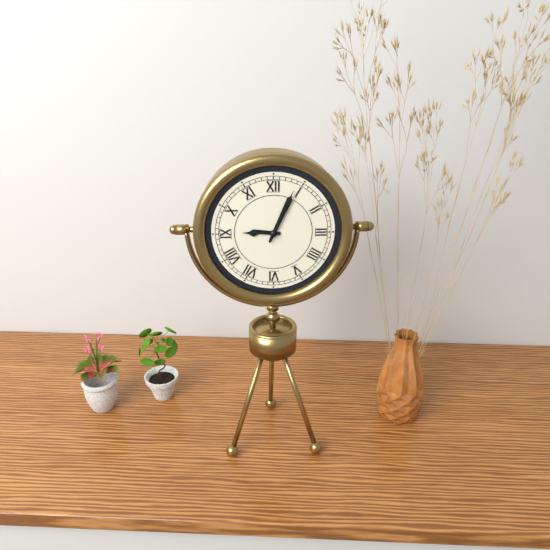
**9:04**
